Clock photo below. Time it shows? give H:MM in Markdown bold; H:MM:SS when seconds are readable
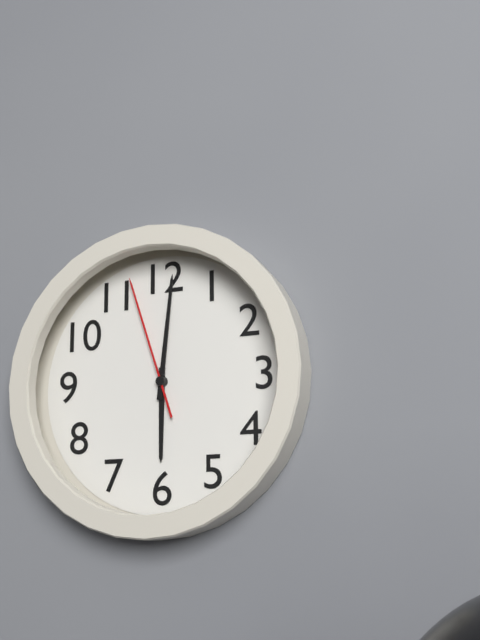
**6:01:57**
